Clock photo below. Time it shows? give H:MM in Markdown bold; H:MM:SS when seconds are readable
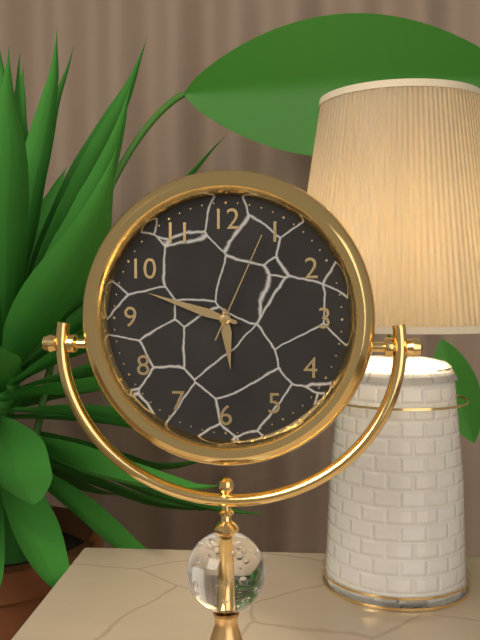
**5:48:04**
